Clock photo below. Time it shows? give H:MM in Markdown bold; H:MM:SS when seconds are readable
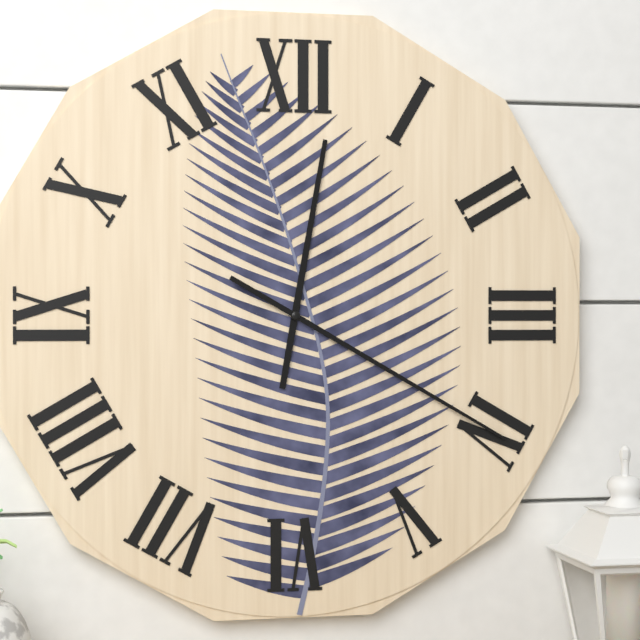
**12:20**
